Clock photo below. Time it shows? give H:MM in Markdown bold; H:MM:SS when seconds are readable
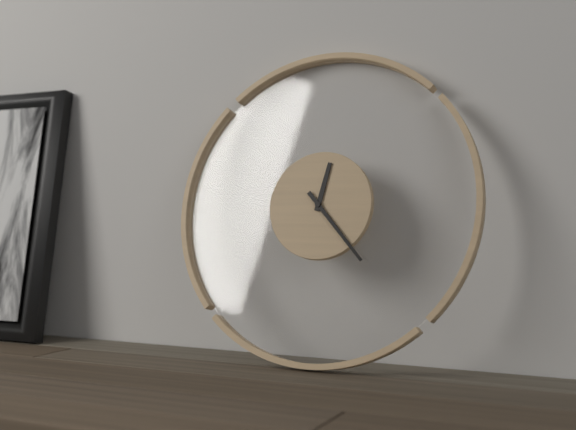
**12:23**
